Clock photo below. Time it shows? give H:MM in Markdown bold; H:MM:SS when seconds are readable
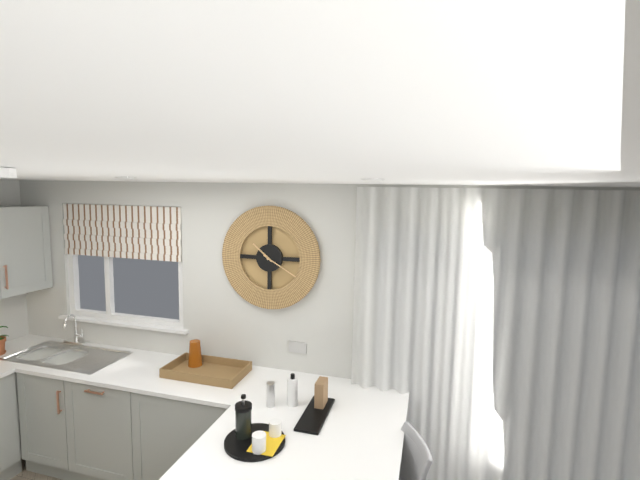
**10:20**
